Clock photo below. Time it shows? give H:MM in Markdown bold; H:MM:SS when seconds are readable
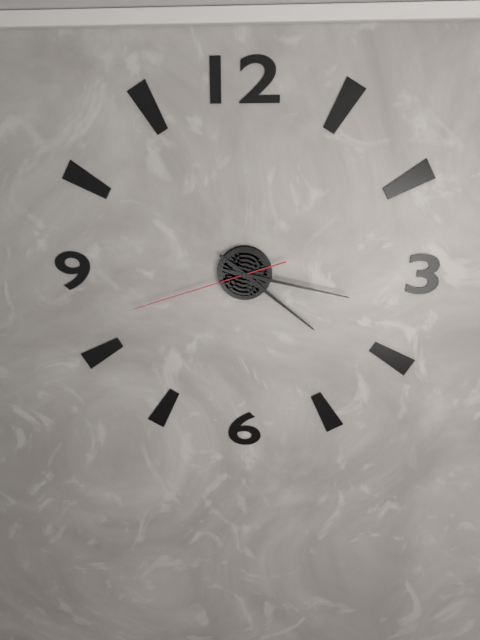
**4:17:42**
